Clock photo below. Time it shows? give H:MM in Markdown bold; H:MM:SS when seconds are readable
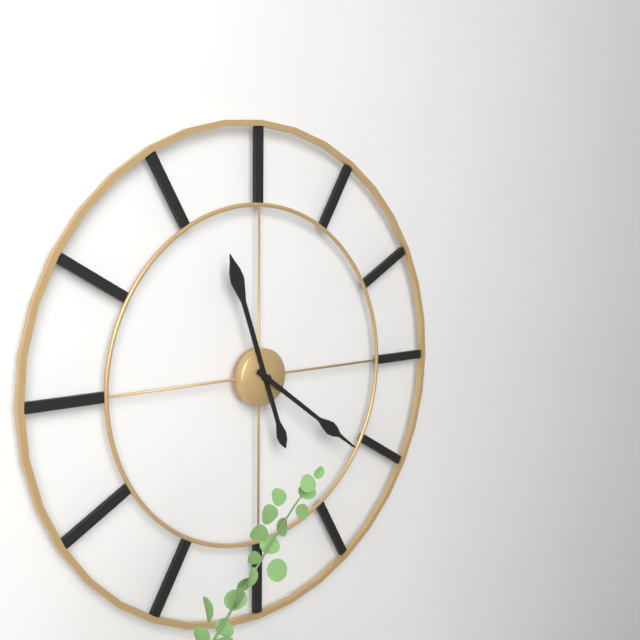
**11:21**
